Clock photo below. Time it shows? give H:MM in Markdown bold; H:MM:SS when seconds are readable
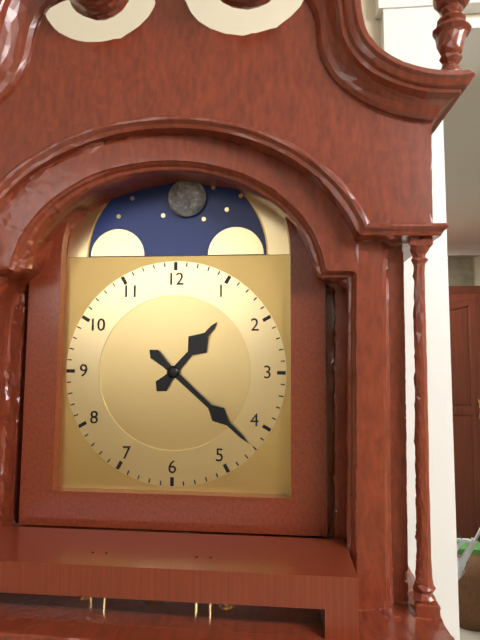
**1:22**
